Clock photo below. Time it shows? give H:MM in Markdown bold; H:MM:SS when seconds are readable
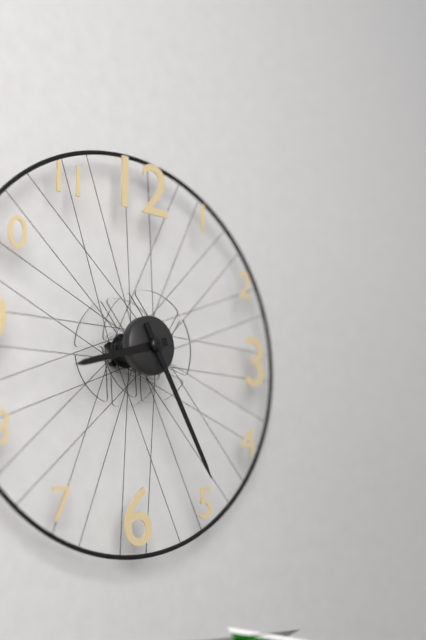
**8:25**
